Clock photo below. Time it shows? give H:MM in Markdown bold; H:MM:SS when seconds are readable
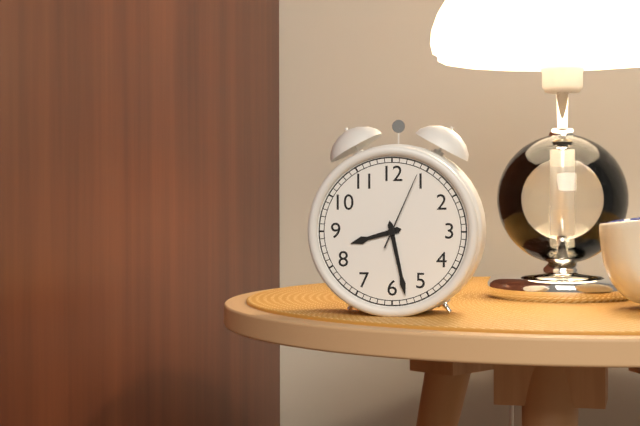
**8:28:04**
